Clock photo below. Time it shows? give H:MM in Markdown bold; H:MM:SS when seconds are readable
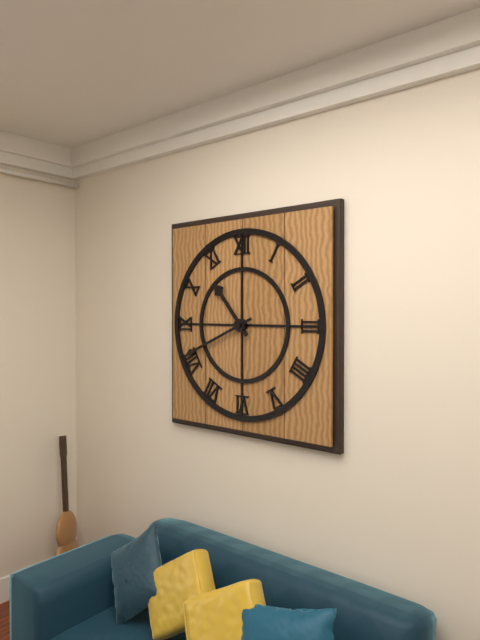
**10:41**
